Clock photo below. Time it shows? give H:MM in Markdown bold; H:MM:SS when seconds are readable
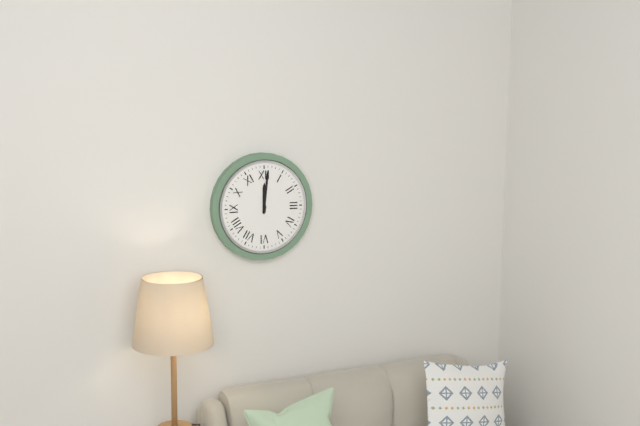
**12:01**
